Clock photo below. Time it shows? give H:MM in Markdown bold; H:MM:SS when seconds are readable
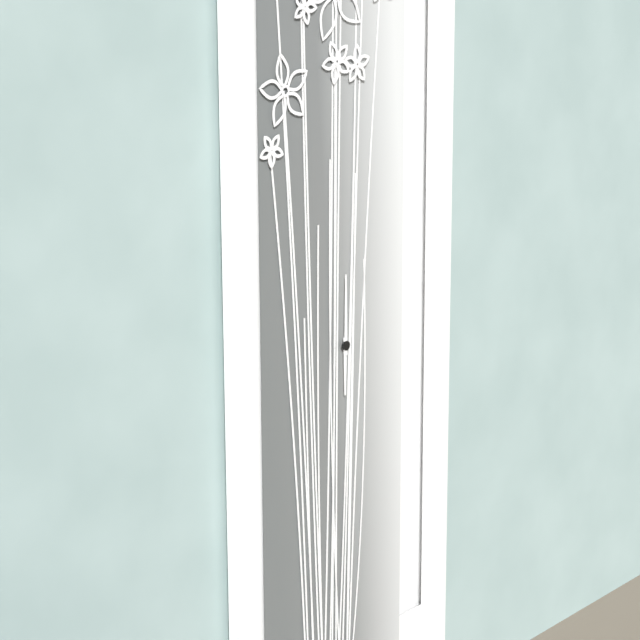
**6:00**
